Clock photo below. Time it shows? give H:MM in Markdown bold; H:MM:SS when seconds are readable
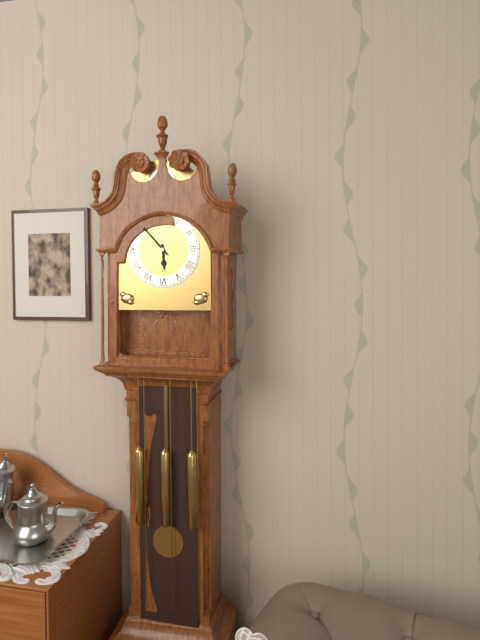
**5:53**
